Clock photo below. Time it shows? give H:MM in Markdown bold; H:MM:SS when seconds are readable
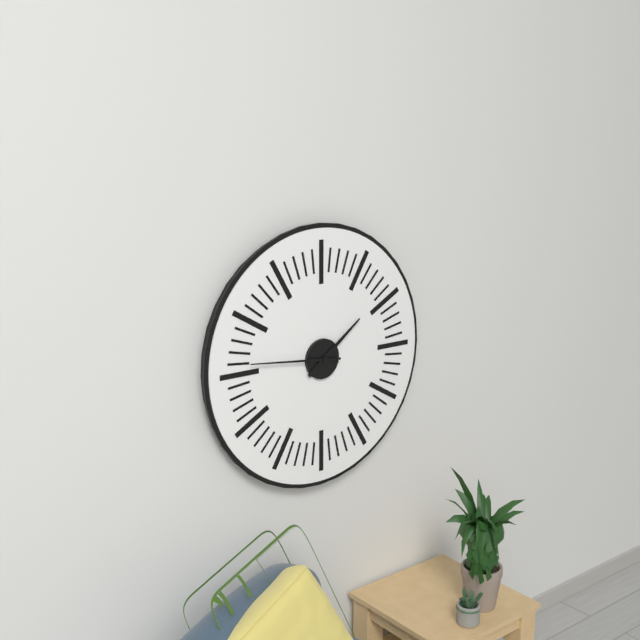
**1:46**
